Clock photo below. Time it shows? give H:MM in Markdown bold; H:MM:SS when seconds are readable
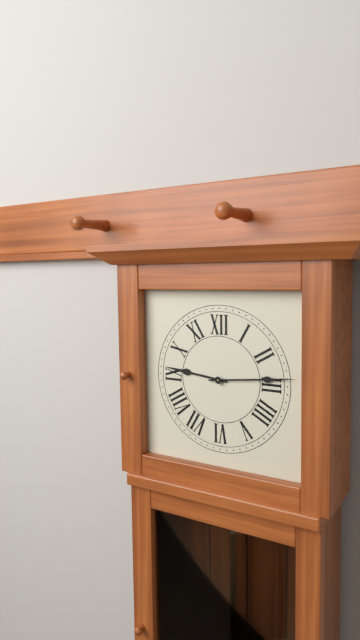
**9:14**
